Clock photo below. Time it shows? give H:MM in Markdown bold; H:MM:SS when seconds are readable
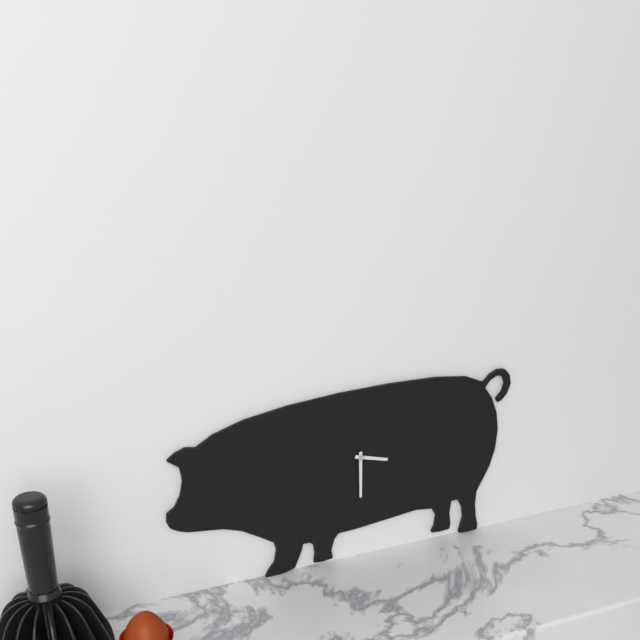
**3:30**
